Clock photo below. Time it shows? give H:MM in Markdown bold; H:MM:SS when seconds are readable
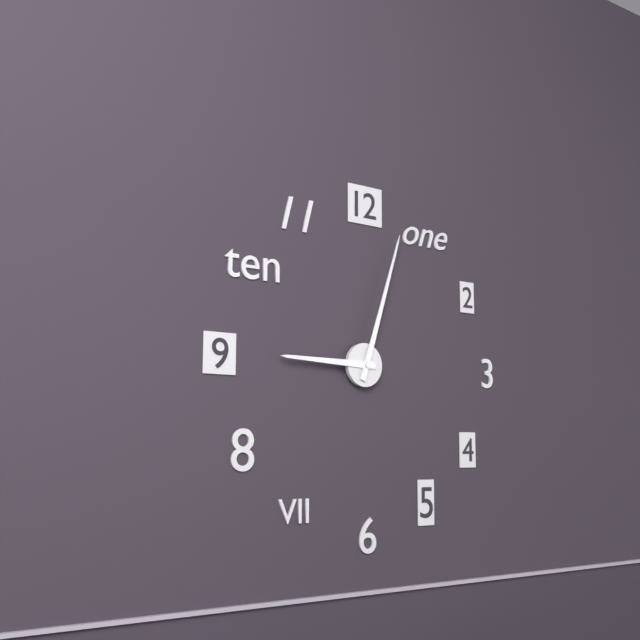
**9:03**
